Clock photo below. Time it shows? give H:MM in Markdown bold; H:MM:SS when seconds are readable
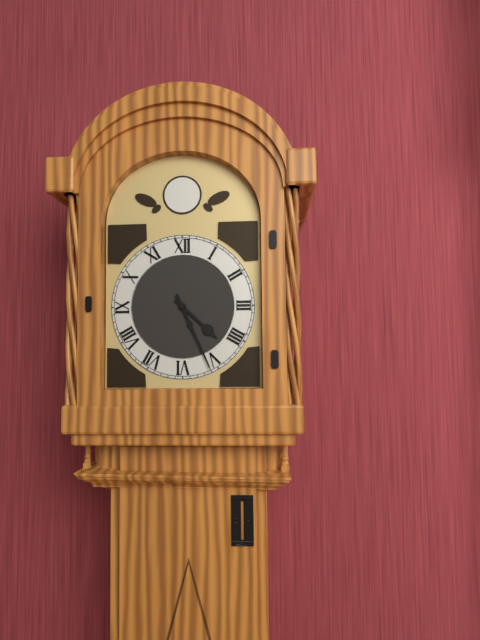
**4:26**
